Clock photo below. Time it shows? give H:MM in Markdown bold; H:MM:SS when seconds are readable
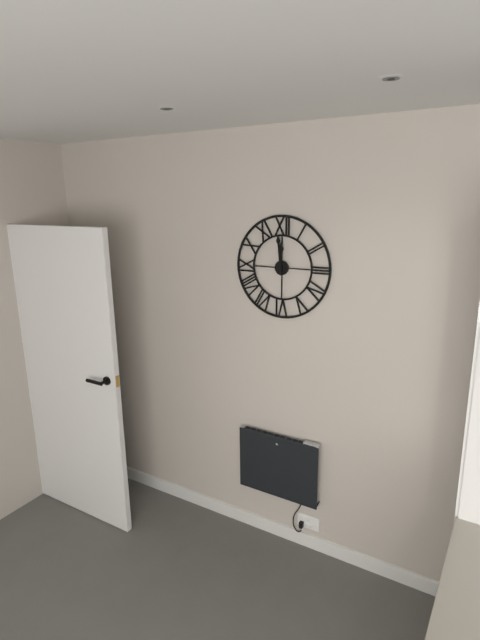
**11:59**
